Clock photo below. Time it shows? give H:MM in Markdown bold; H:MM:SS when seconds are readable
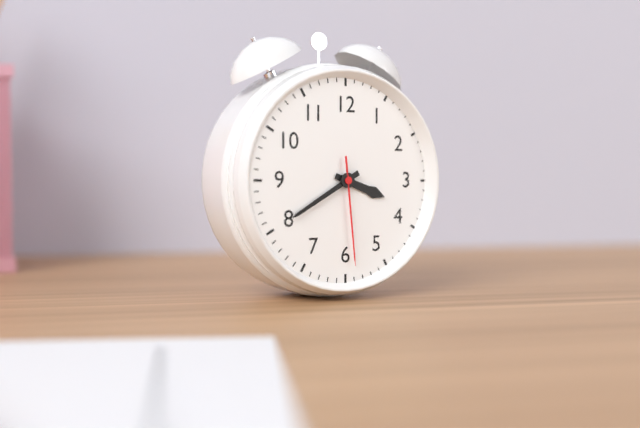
**3:40:29**
